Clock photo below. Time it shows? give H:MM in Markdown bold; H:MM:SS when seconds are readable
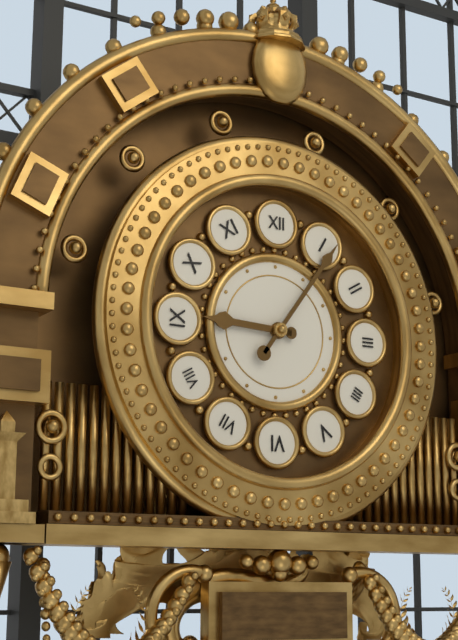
**9:06**
